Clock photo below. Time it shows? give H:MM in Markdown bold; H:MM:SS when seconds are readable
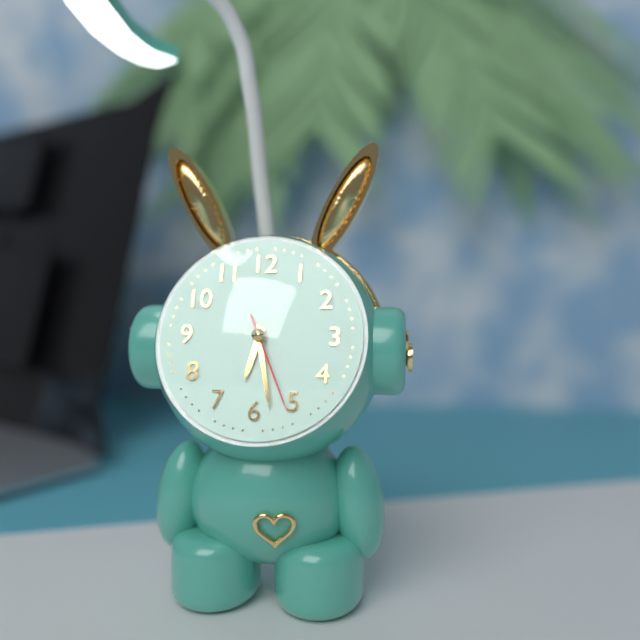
**6:28:26**
